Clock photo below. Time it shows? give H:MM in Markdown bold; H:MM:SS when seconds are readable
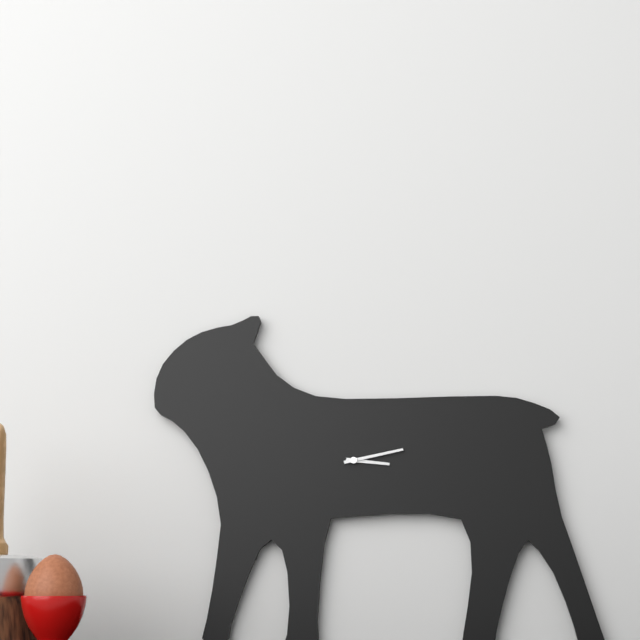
**3:13**
